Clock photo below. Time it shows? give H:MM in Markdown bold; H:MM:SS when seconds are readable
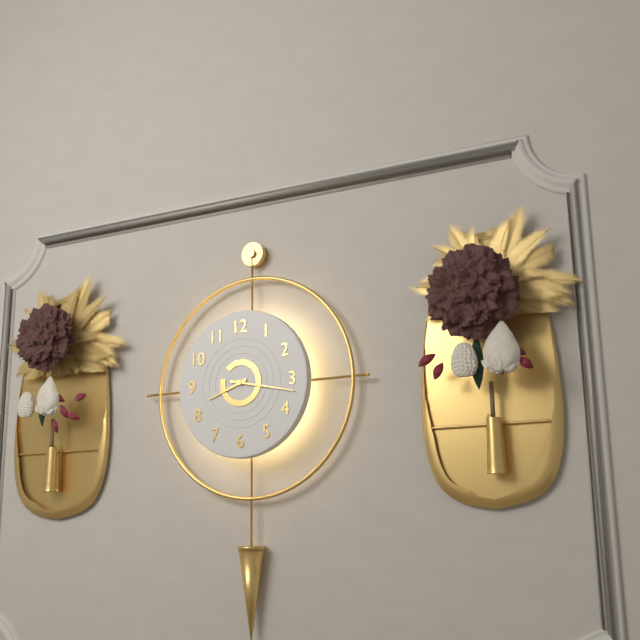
**8:17**
